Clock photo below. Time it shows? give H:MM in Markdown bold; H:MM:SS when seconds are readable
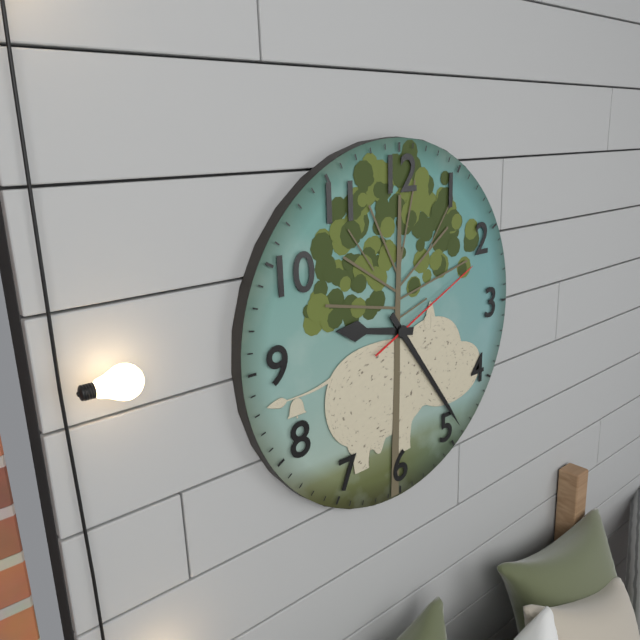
**9:24:11**
